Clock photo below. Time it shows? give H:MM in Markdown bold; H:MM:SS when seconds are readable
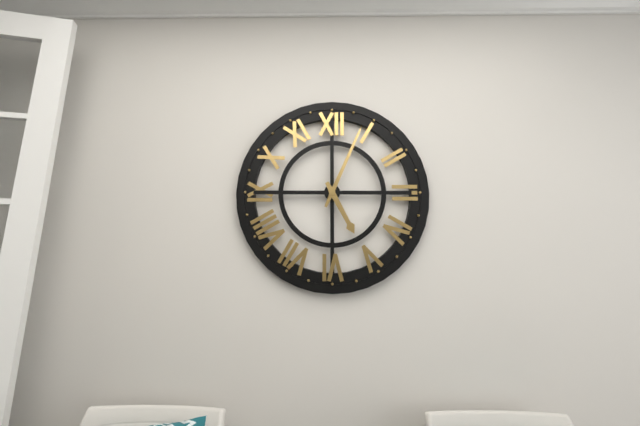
**5:04**
